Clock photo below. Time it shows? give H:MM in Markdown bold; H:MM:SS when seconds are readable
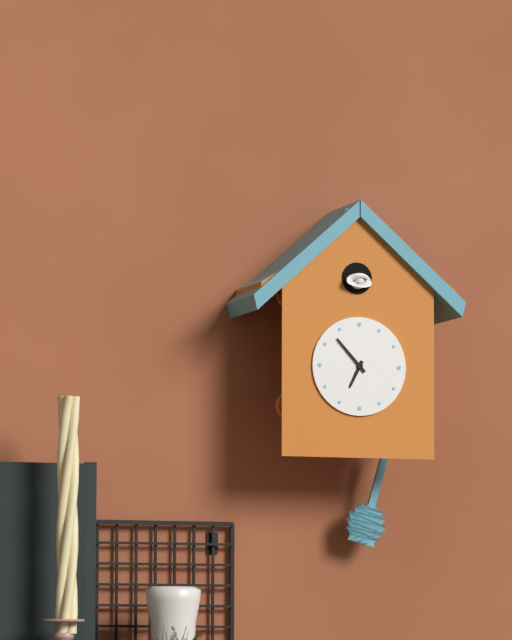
**6:53**
